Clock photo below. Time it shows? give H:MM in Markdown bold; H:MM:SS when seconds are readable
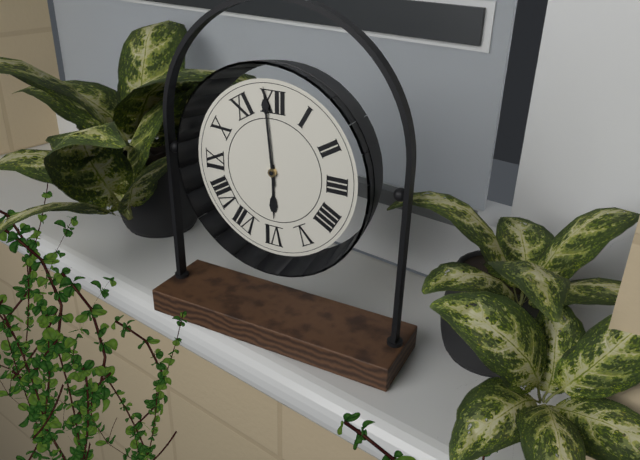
**5:59**
